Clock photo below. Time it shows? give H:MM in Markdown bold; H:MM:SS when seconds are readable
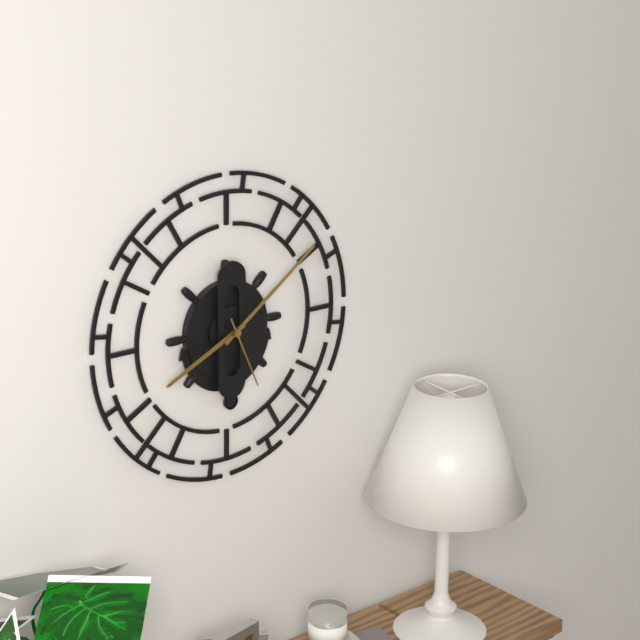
**8:09:26**
